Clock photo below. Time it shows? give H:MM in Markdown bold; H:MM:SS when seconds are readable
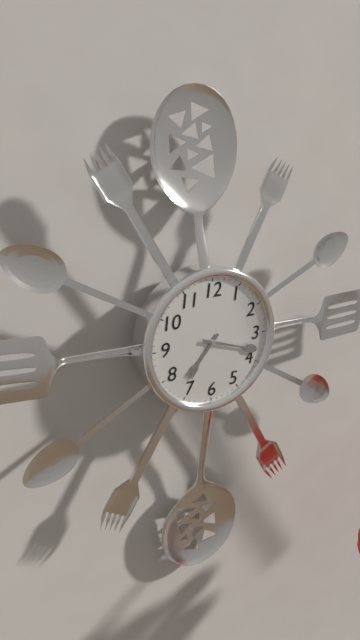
**7:18**
